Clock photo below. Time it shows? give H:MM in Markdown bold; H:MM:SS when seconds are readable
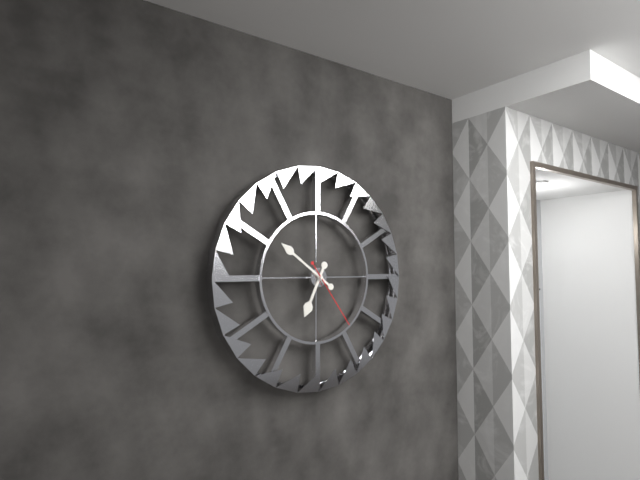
**6:51:24**
